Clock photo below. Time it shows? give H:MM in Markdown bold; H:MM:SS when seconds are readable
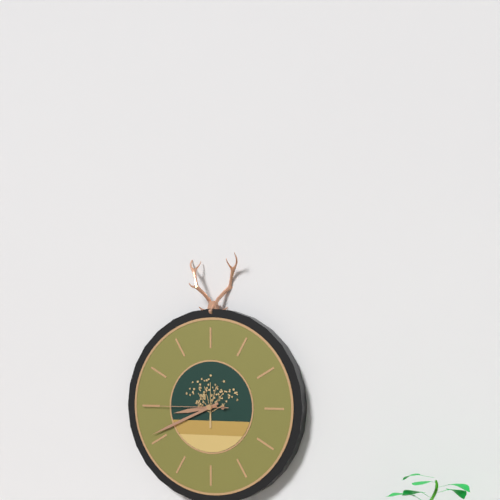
**8:41:45**
